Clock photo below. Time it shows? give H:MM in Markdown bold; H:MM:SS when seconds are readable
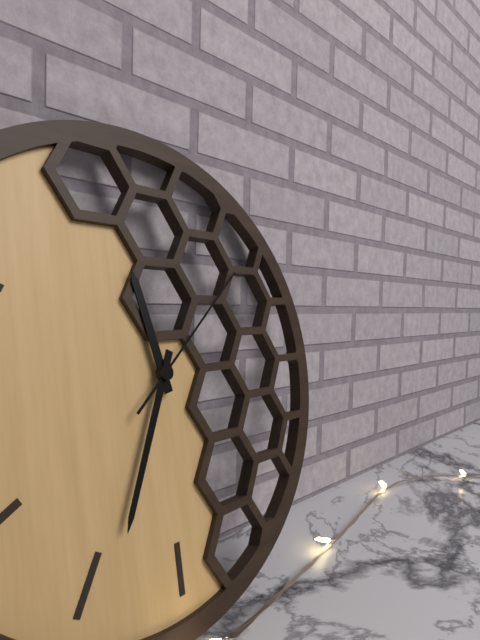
**11:34:08**
